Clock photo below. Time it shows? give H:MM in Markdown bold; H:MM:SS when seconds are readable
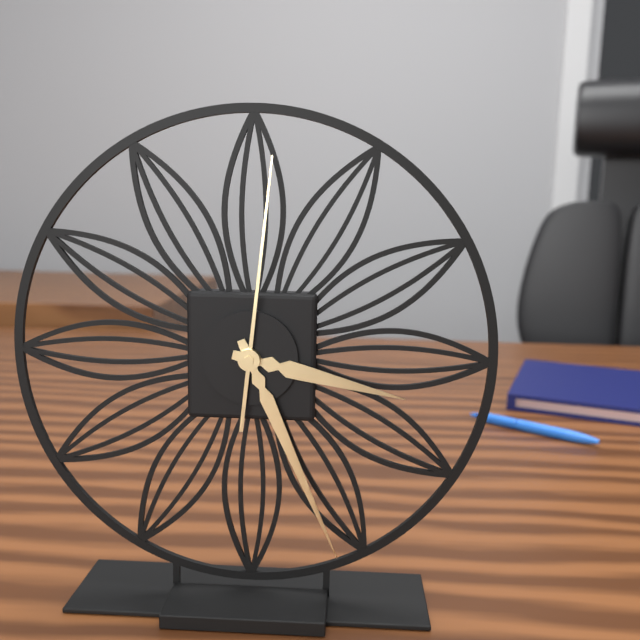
**3:26:01**
